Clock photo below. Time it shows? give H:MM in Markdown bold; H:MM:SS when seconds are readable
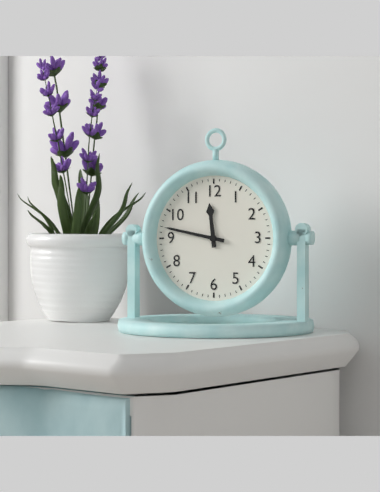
**11:47**
